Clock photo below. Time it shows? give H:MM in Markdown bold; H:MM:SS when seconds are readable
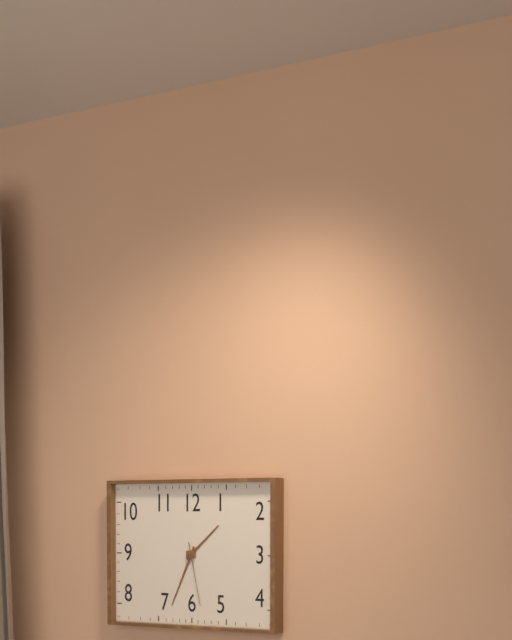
**1:34:28**
